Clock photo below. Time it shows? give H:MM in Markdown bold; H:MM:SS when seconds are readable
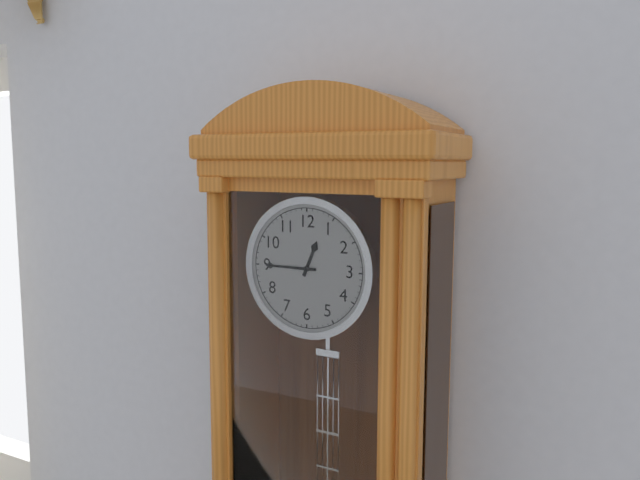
**12:45**
